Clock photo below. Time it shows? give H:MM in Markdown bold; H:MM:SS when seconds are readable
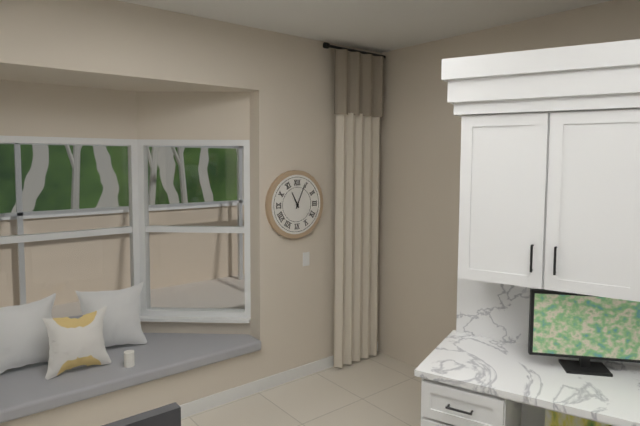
**11:04**
